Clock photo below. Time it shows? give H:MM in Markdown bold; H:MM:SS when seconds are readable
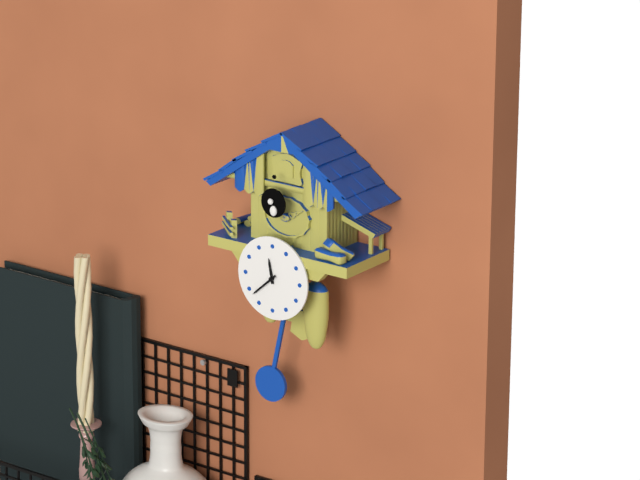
**11:38**
